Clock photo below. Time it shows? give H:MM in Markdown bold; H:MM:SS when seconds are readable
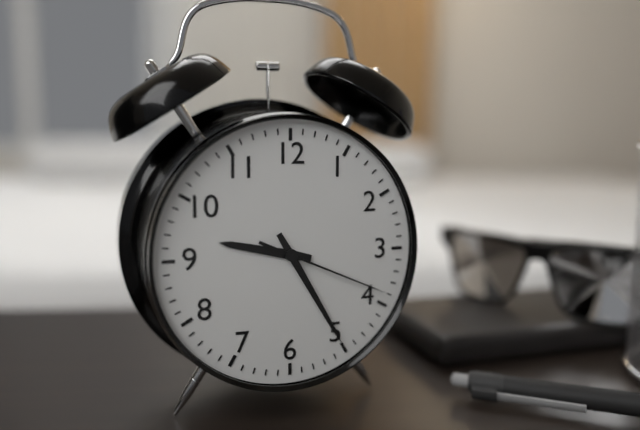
**9:25:19**
